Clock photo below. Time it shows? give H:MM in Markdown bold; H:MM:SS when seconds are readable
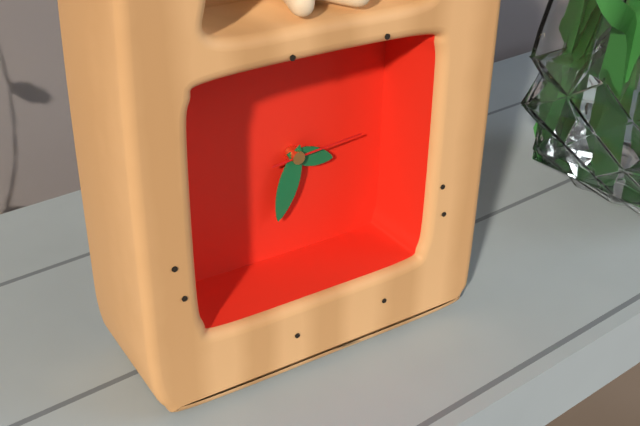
**3:33:14**
